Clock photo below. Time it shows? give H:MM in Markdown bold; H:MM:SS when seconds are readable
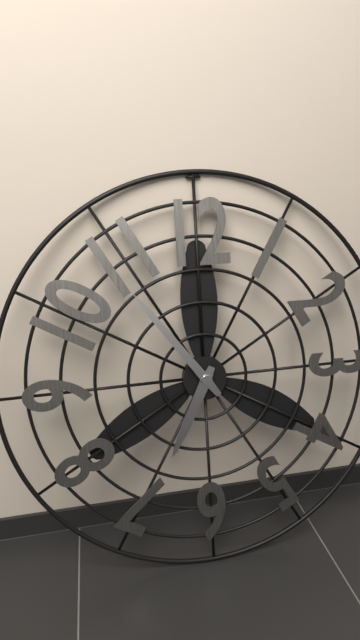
**6:54**
